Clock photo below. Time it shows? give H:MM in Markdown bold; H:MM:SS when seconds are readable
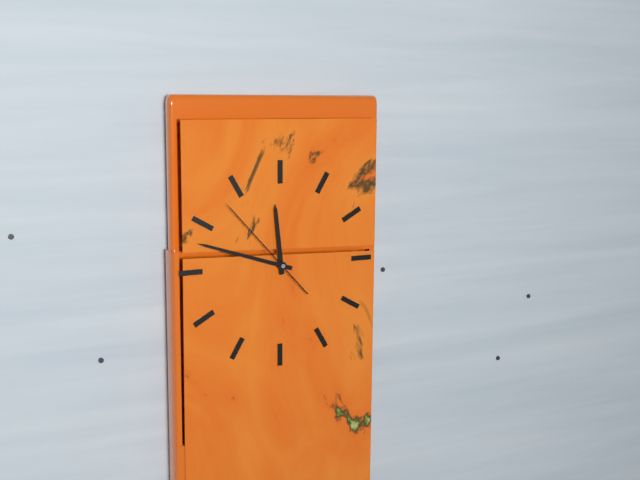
**11:48:53**
